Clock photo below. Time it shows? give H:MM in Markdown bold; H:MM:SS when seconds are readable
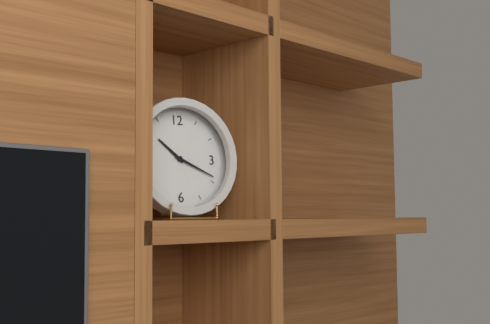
**10:19**
